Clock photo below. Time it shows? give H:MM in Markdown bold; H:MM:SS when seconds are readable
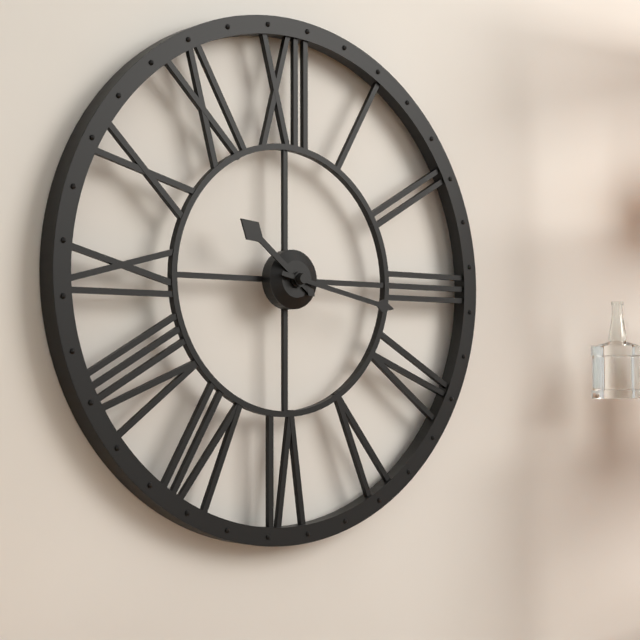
**10:17**
